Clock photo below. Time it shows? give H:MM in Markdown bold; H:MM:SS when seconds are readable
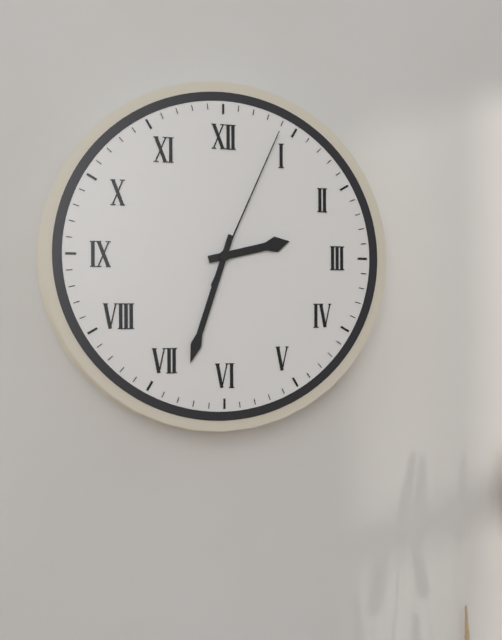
**2:33:04**
